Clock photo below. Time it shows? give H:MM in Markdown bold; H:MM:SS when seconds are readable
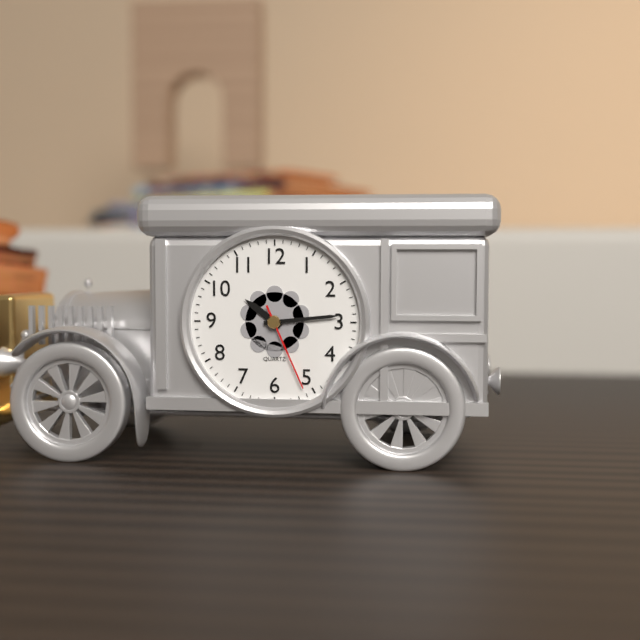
**10:14:26**
